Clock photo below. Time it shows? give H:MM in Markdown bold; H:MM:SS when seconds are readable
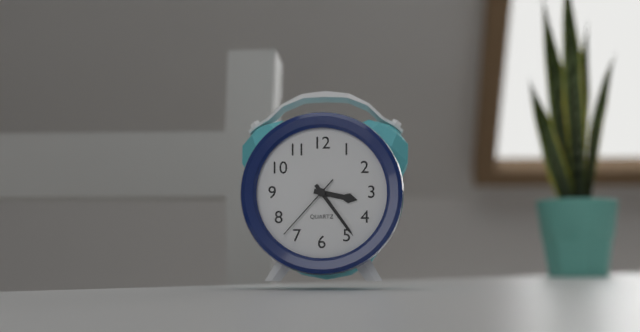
**3:24:37**
